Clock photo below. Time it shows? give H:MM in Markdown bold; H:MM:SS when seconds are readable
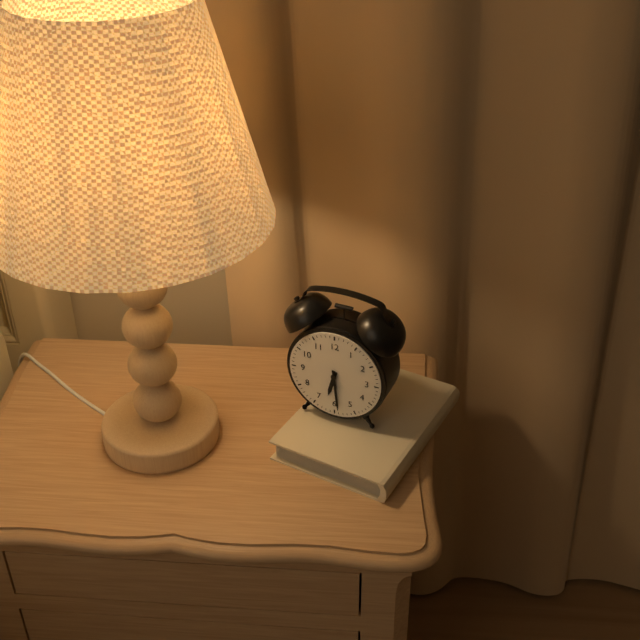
**6:29**
